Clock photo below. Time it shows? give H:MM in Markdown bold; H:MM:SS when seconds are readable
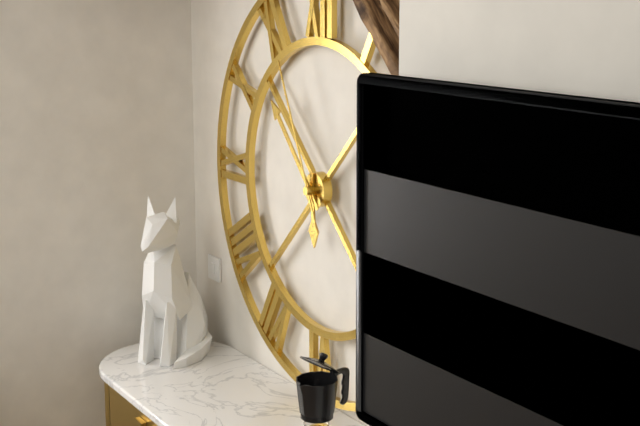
**5:53:56**
